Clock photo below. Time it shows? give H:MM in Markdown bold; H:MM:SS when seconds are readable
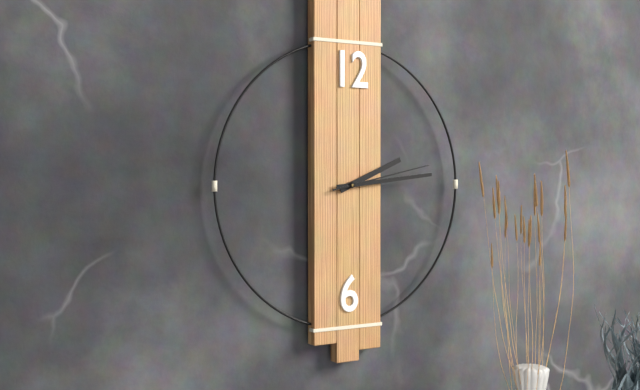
**2:14:13**
